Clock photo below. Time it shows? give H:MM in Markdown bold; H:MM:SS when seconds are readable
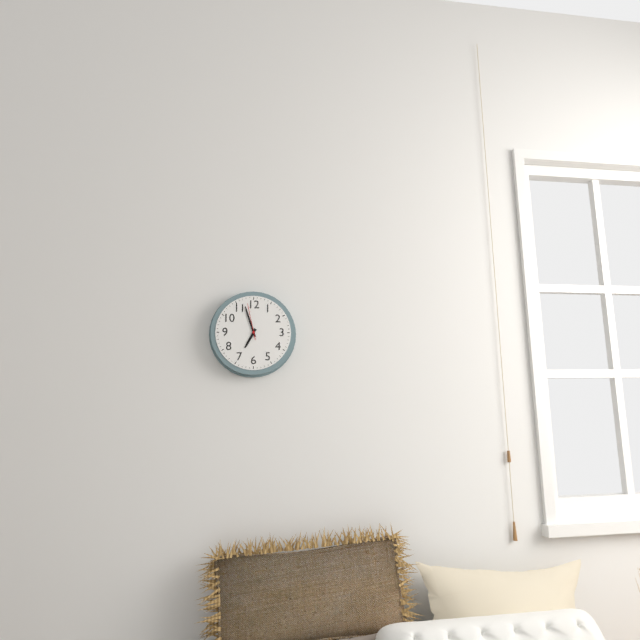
**6:57**
